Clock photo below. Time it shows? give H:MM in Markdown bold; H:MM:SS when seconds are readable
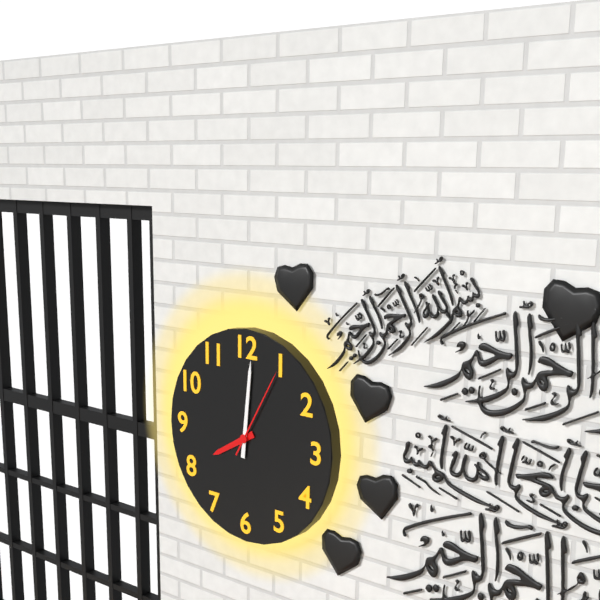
**8:01:05**
